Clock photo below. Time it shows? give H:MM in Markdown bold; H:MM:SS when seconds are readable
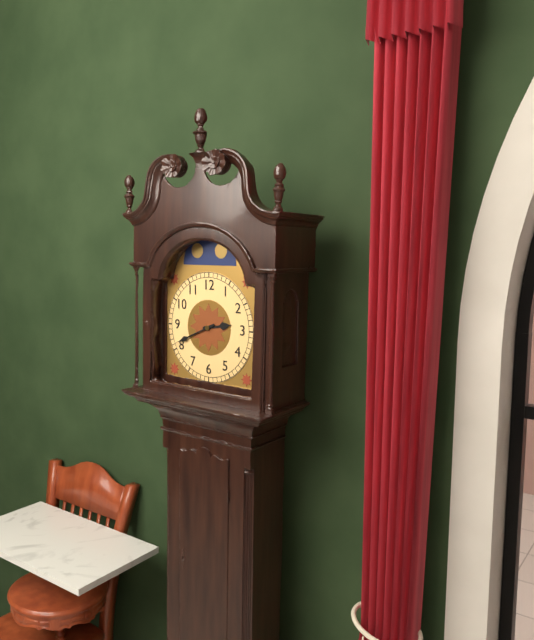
**2:41**
